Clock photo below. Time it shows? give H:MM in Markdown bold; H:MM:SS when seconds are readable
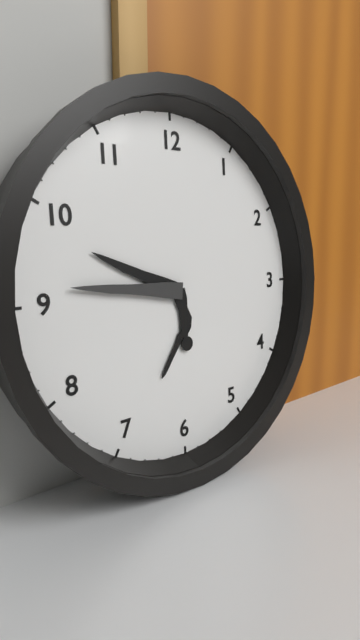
**9:46**
